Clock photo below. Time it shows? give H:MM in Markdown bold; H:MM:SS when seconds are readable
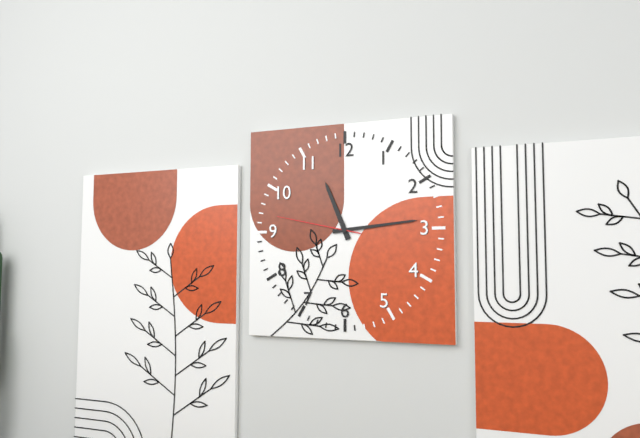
**11:14:47**
